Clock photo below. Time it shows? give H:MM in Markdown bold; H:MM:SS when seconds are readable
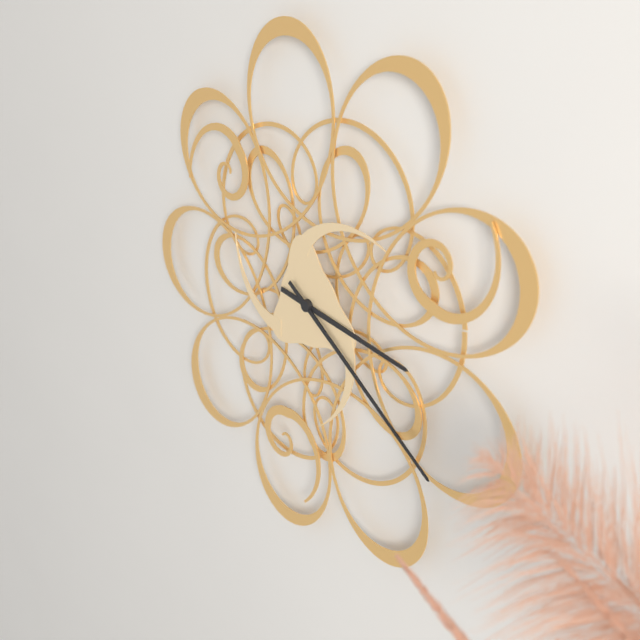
**3:21**
